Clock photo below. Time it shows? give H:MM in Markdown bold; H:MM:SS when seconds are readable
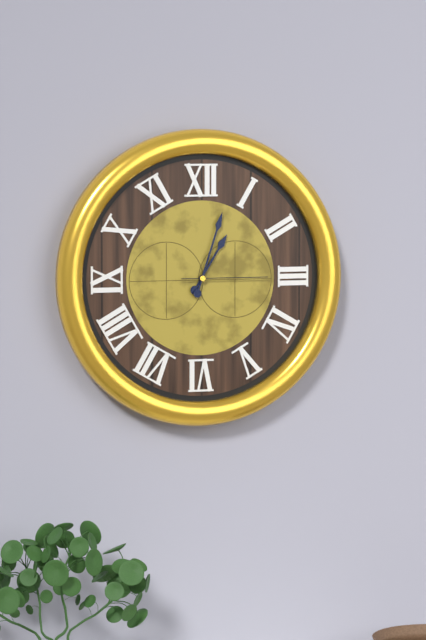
**1:03:15**
